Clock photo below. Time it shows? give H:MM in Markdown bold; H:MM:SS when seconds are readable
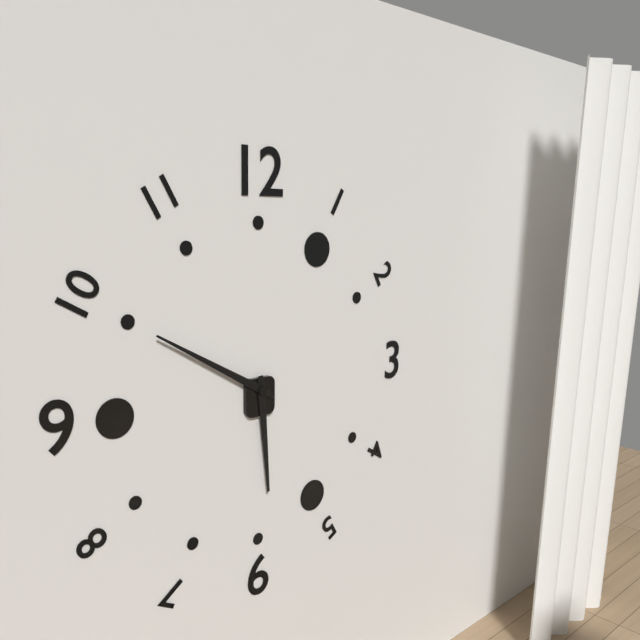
**5:50**
